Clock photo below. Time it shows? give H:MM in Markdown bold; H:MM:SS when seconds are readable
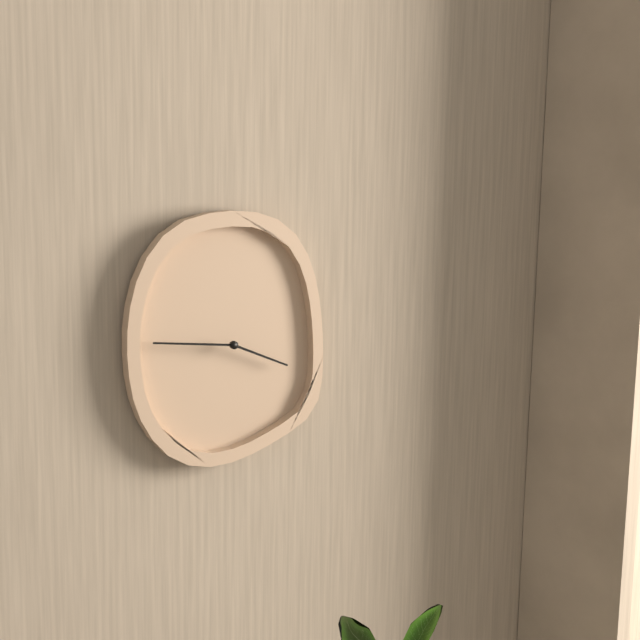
**3:46**
